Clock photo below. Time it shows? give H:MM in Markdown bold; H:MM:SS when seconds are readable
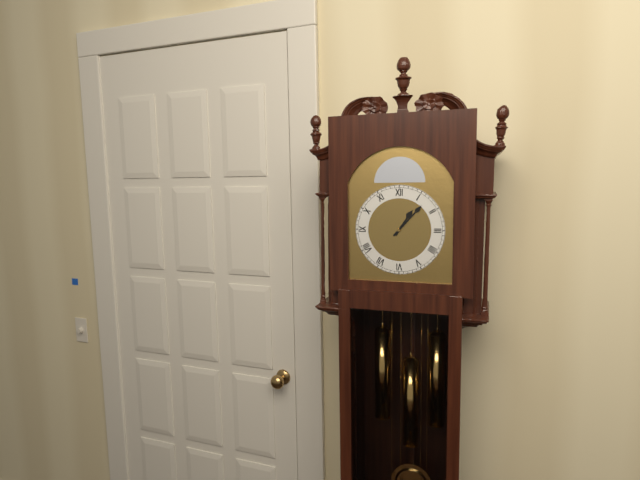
**1:07**
